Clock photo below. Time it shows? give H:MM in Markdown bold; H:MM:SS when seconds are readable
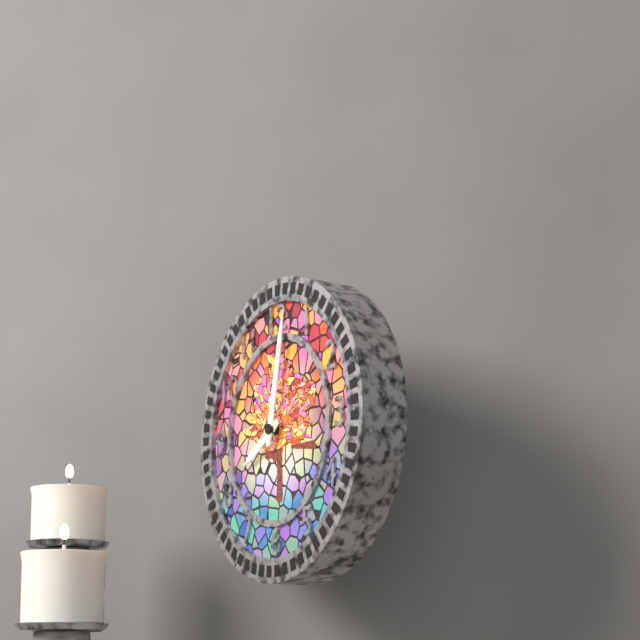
**8:02**
